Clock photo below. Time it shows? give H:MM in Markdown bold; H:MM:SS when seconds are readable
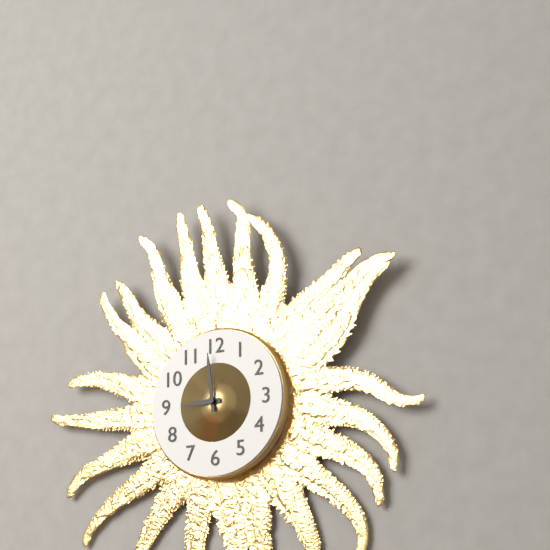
**8:59**
